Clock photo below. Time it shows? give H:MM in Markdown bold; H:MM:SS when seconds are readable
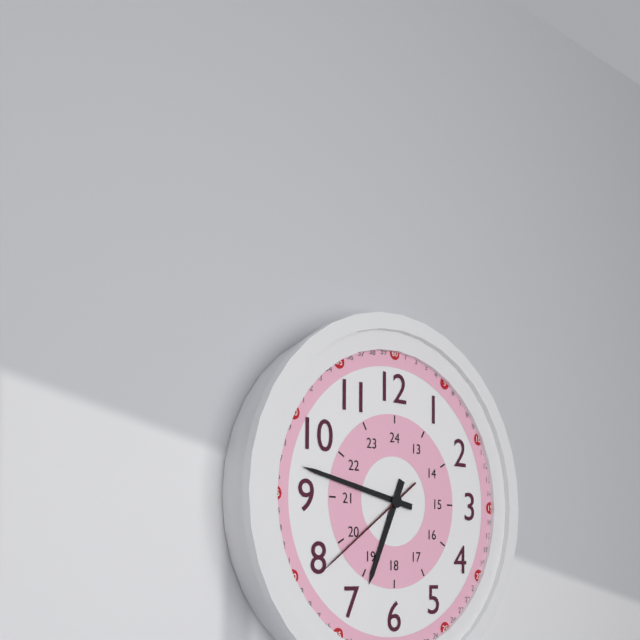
**6:47:39**
